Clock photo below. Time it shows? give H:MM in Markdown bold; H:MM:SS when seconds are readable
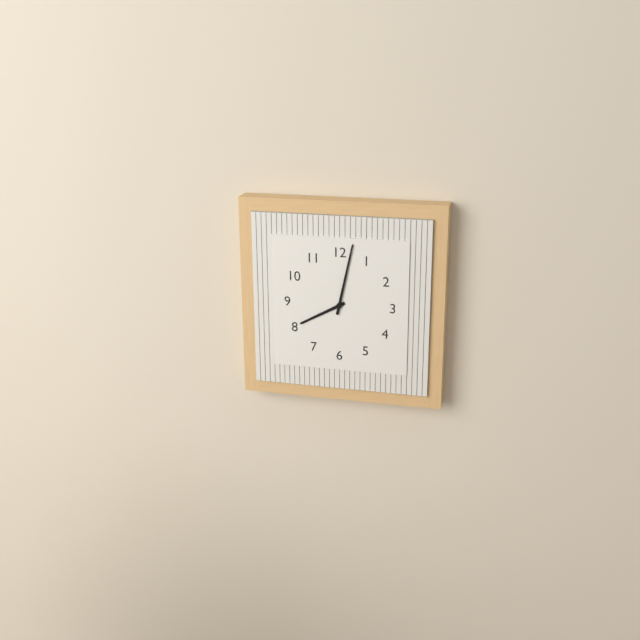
**8:02**
